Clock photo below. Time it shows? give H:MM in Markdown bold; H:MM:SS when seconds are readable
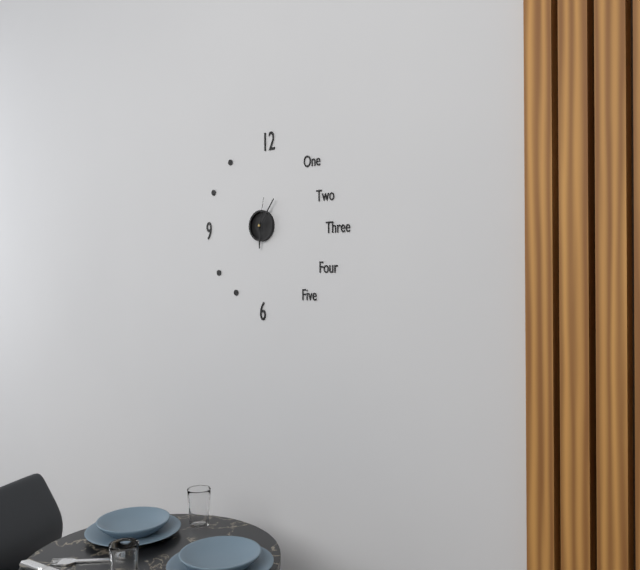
**6:06**
